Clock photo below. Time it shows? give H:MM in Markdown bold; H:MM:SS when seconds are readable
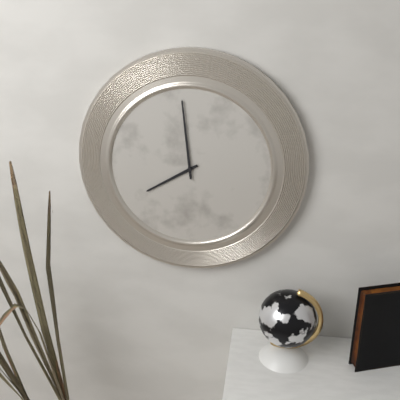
**7:59**
